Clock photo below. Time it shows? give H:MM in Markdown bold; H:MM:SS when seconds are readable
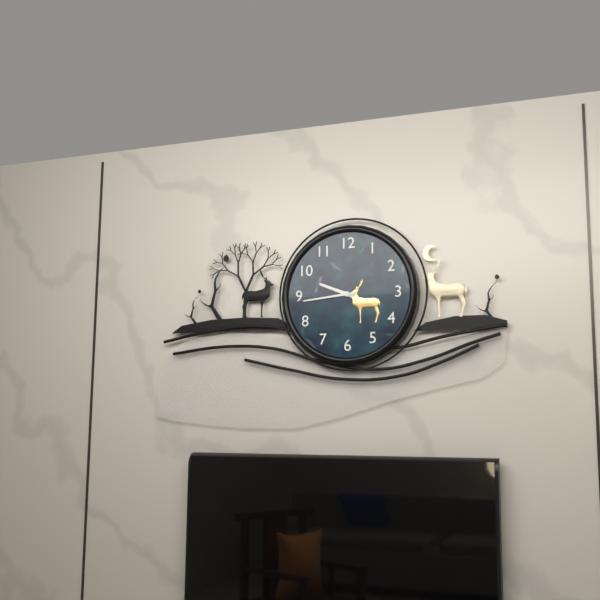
**9:44**
